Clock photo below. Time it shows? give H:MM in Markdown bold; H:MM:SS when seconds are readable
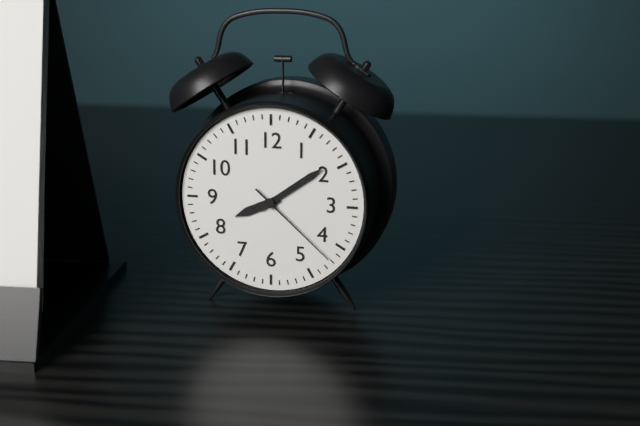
**8:09:22**
